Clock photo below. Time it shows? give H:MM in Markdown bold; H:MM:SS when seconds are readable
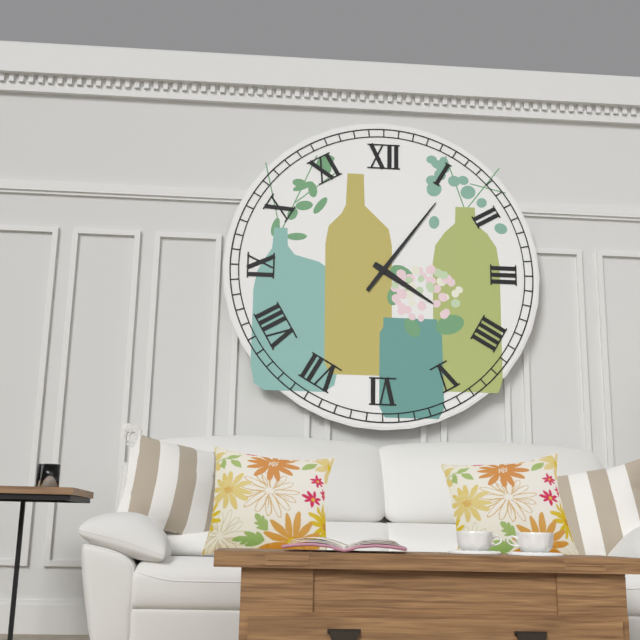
**4:06**
